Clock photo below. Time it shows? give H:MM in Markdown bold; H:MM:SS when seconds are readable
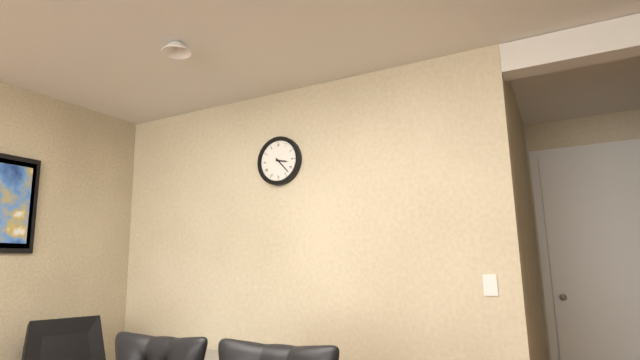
**3:23**
